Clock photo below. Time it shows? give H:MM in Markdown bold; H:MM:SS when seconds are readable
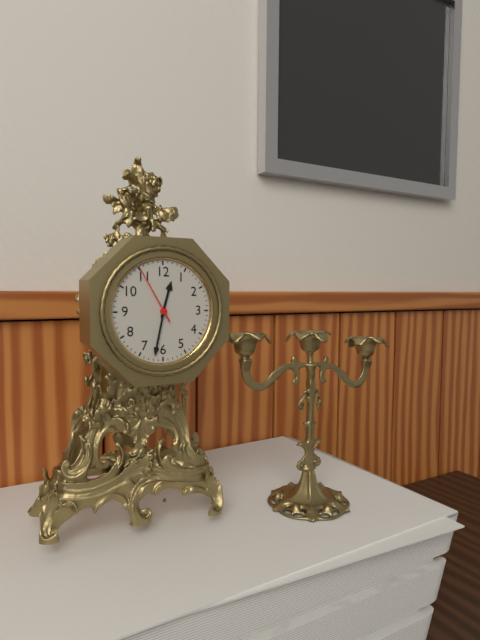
**12:32:55**
